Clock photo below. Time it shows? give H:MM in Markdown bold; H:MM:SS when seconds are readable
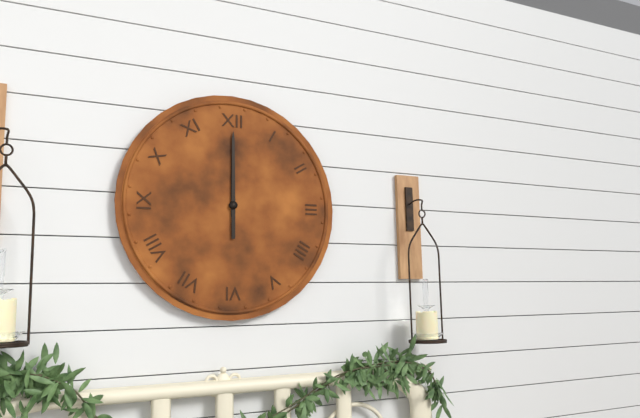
**12:00**
